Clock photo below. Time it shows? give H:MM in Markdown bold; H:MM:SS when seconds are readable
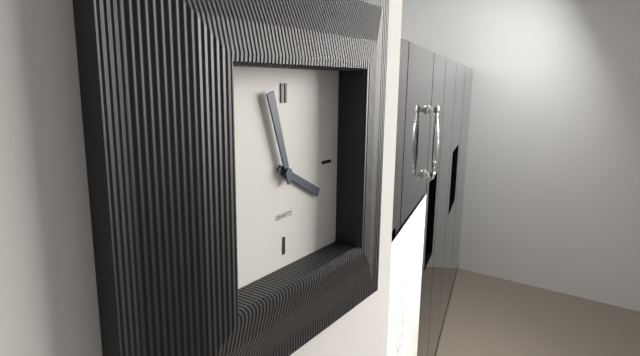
**3:57**
